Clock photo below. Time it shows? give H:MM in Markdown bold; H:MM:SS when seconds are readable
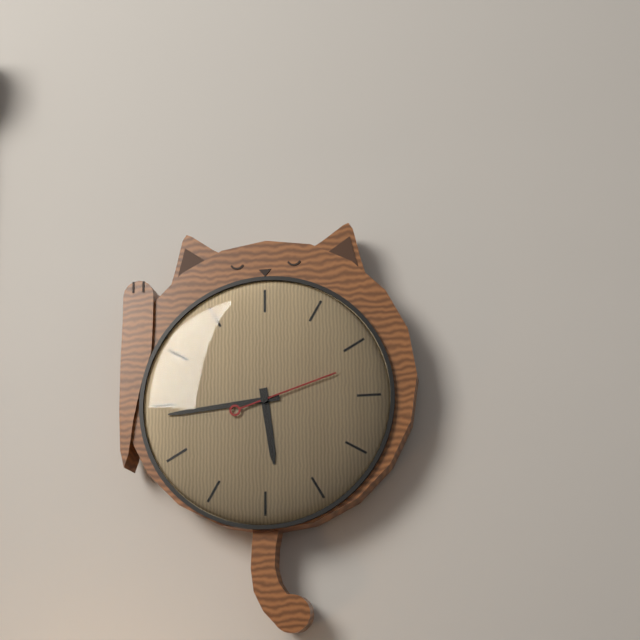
**5:44:12**
